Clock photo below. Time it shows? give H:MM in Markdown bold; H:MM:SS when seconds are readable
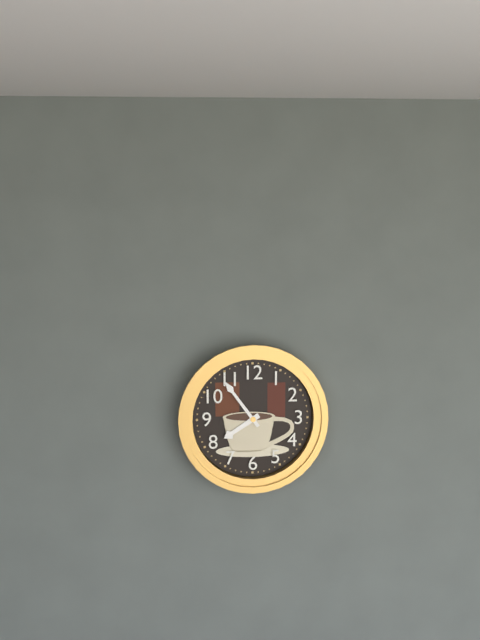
**7:54**
